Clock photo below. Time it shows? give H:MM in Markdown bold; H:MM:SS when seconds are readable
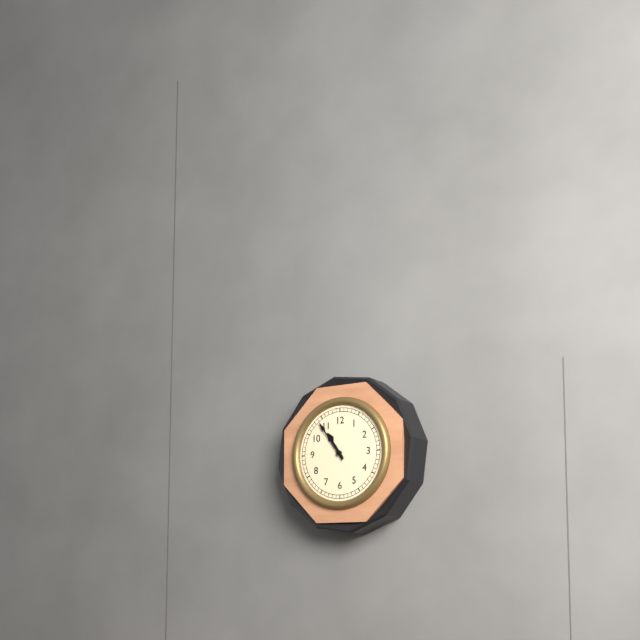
**10:54**
